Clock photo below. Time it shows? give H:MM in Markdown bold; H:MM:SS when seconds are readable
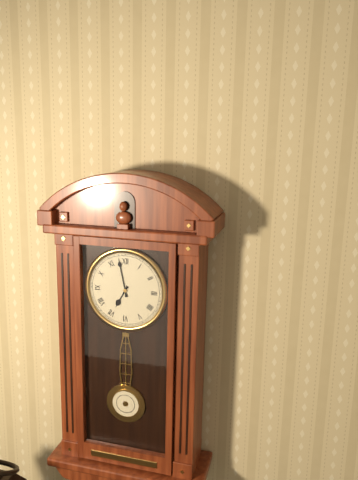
**6:58**
